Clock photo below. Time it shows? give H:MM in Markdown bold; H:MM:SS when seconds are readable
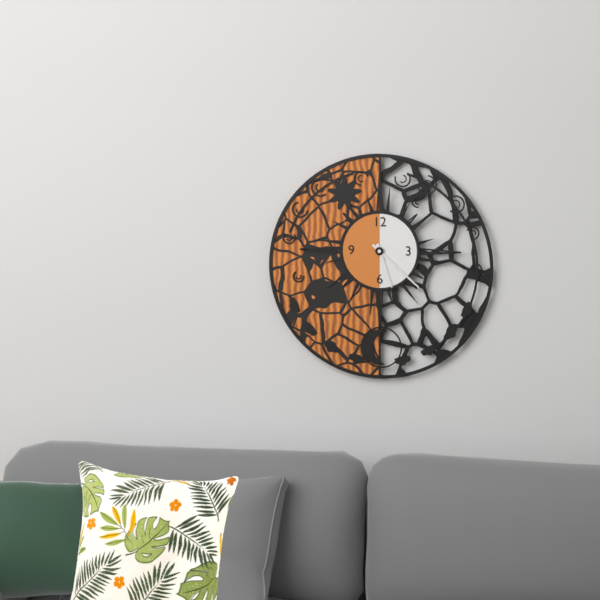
**5:22**
